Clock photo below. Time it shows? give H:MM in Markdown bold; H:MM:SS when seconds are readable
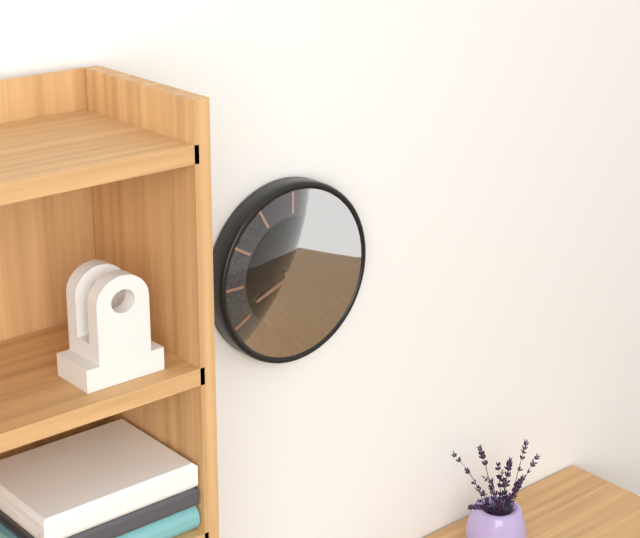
**8:17**
